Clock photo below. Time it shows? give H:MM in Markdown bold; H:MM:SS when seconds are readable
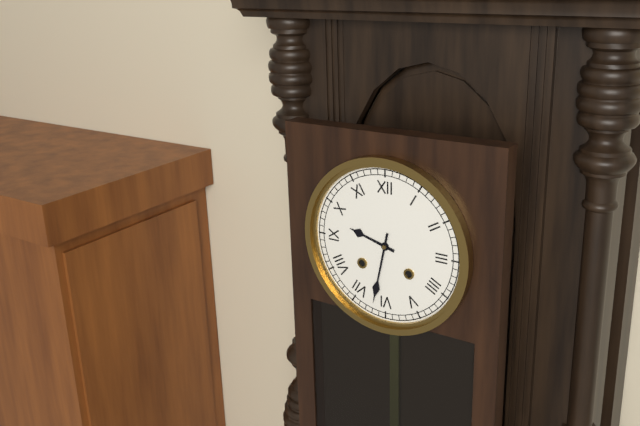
**9:32**
